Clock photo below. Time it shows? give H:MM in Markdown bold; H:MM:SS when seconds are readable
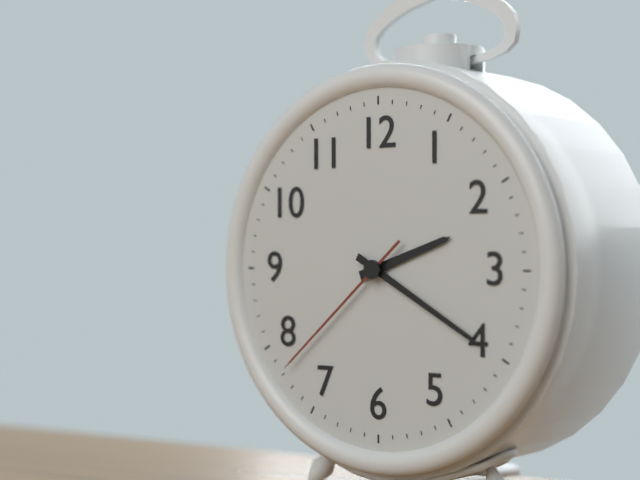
**2:20:38**
